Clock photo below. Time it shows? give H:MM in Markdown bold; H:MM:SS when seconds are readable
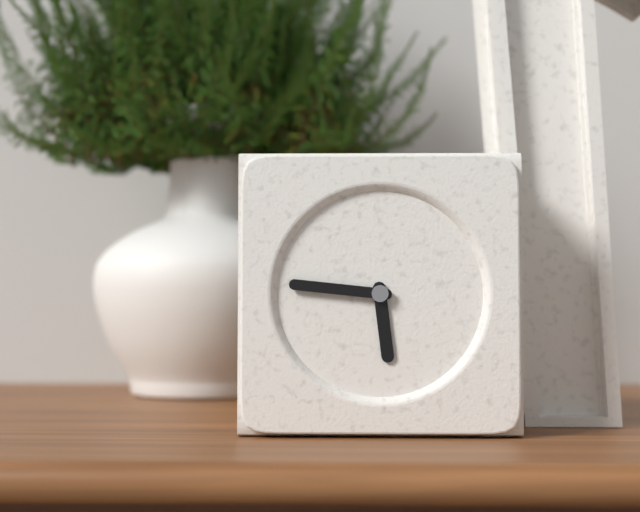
**5:46**
